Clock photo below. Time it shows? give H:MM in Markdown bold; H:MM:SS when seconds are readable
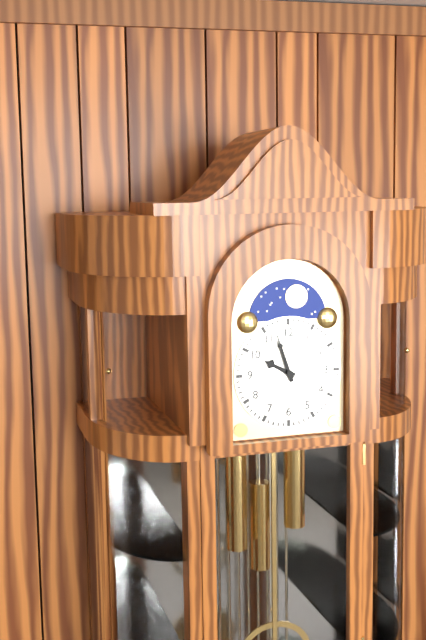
**9:57**
